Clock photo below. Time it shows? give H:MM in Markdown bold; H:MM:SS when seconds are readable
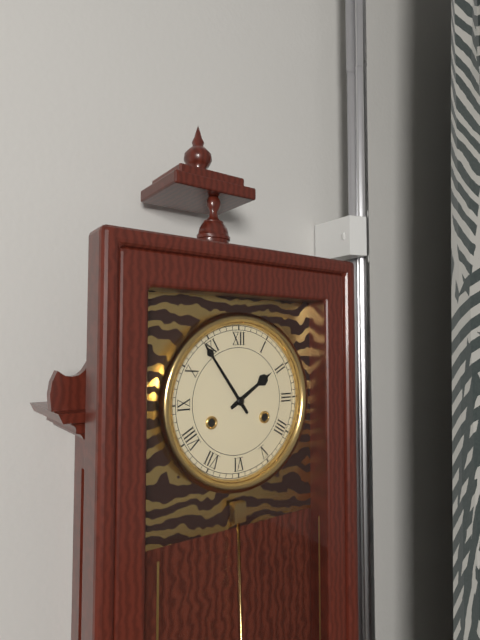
**1:54**
